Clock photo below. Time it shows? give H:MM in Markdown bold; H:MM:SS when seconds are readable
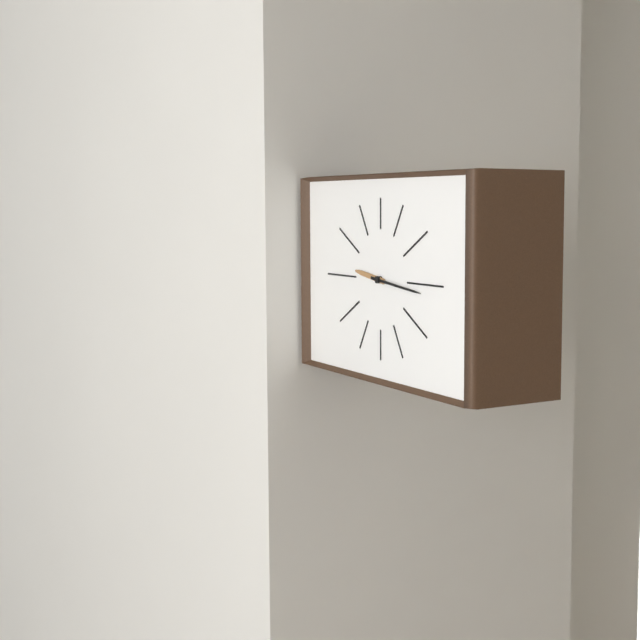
**9:16**
